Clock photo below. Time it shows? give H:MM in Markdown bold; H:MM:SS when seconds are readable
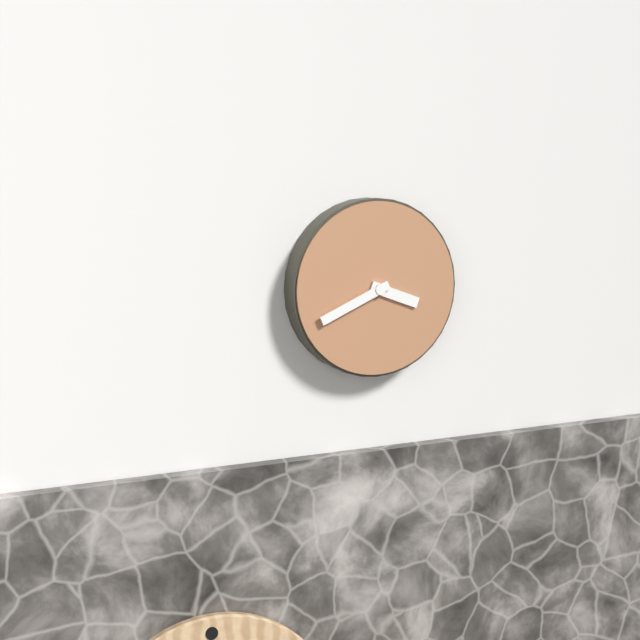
**3:41**
